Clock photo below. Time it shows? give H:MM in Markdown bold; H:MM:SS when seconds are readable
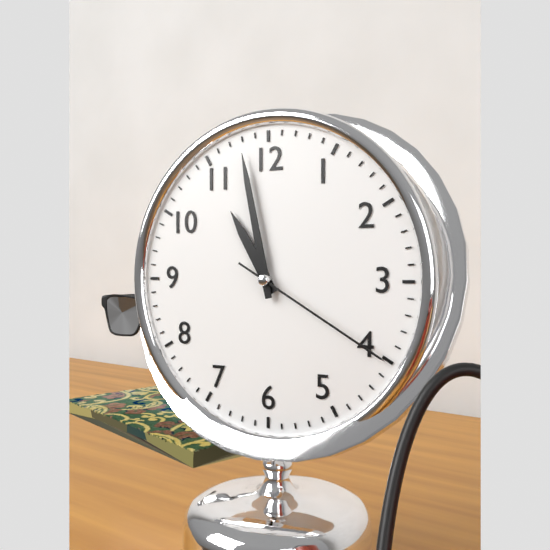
**10:58:20**
